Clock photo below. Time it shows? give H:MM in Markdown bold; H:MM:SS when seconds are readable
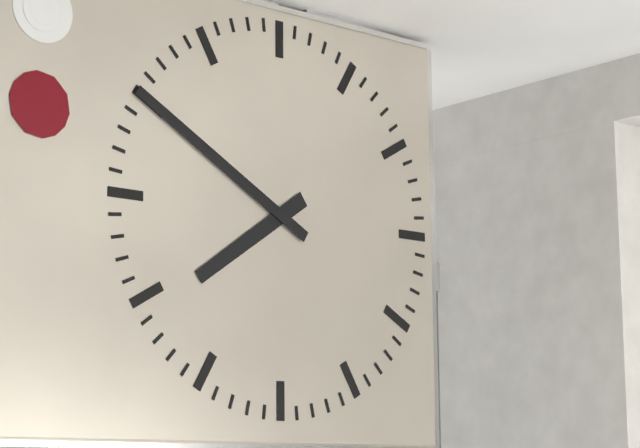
**7:50**
